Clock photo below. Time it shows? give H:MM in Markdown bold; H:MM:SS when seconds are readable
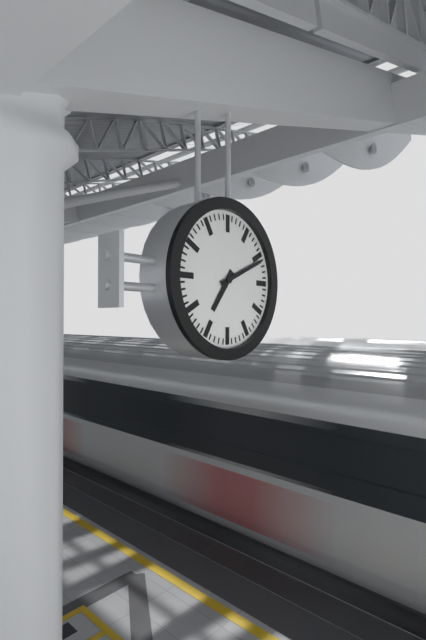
**7:11**
